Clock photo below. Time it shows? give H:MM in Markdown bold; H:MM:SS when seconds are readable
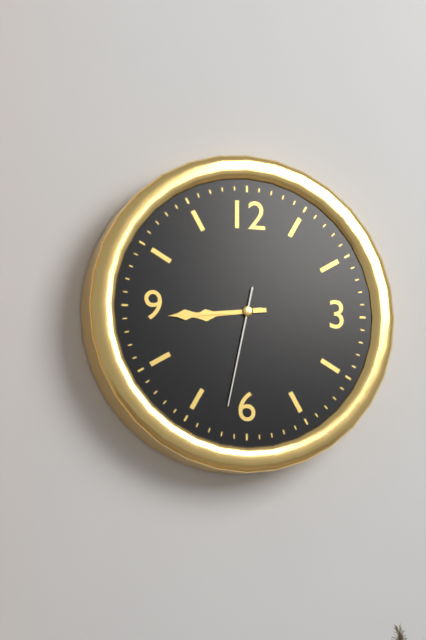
**8:44:32**
